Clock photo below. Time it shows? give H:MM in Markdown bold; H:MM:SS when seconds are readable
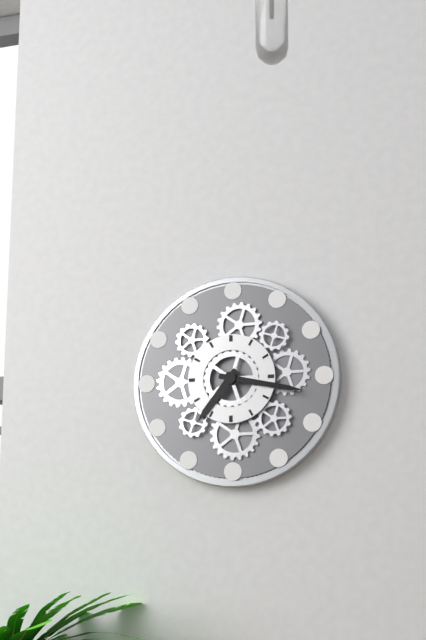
**7:17**
